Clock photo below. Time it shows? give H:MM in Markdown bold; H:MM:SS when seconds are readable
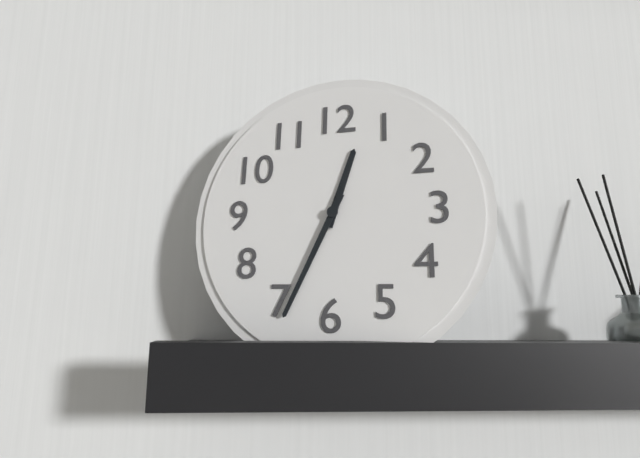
**12:34**
